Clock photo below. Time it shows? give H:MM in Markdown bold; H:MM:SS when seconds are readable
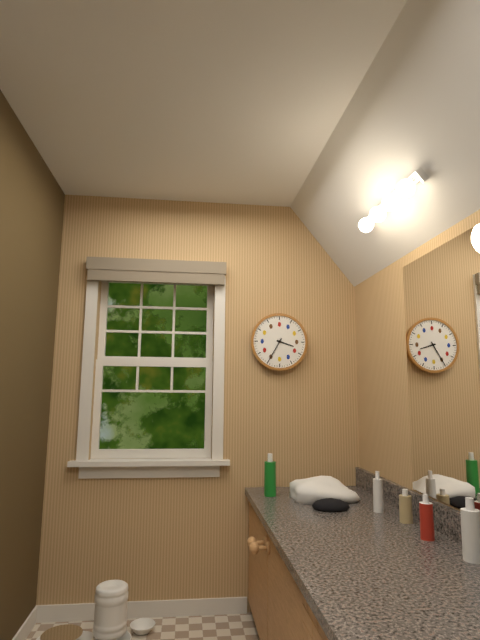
**3:35**
